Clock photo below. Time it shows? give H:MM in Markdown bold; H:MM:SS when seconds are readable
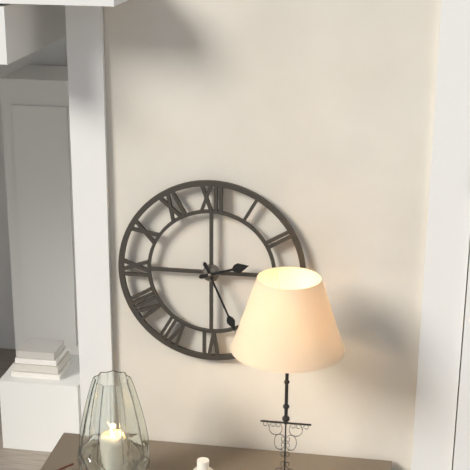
**2:26**
